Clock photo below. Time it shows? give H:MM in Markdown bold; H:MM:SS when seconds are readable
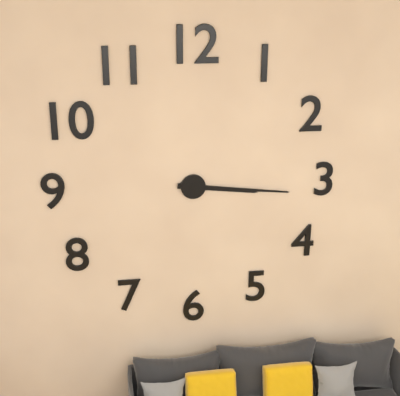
**3:16**
